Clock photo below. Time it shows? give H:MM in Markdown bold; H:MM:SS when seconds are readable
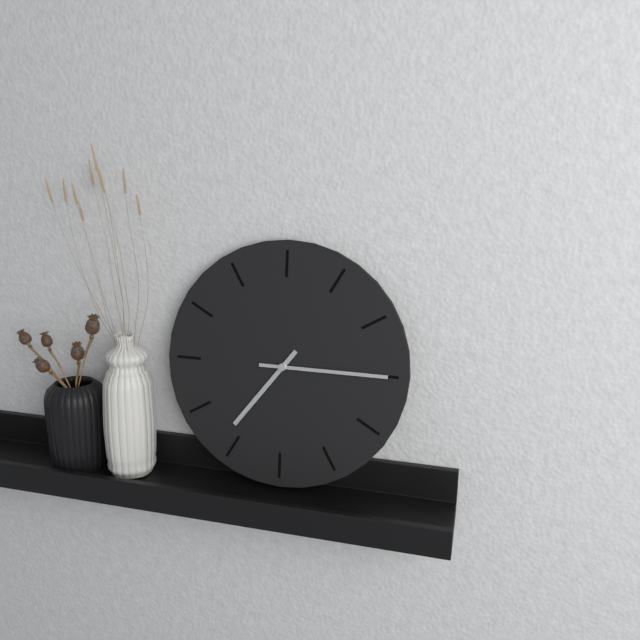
**7:15**
